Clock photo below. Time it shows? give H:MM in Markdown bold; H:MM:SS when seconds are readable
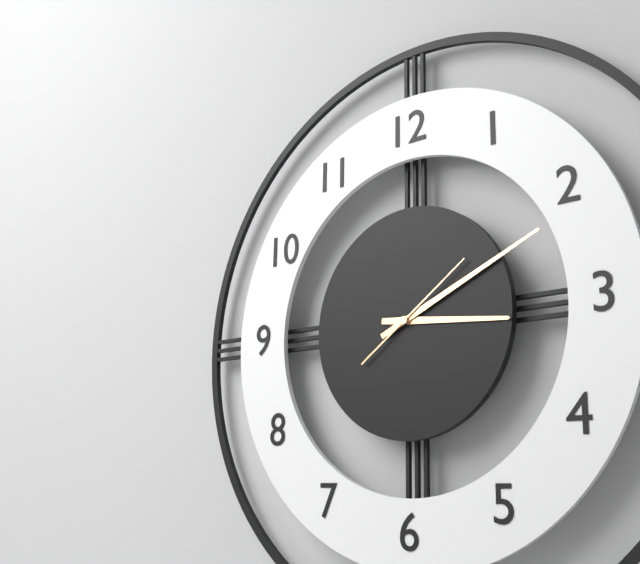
**3:11:09**
